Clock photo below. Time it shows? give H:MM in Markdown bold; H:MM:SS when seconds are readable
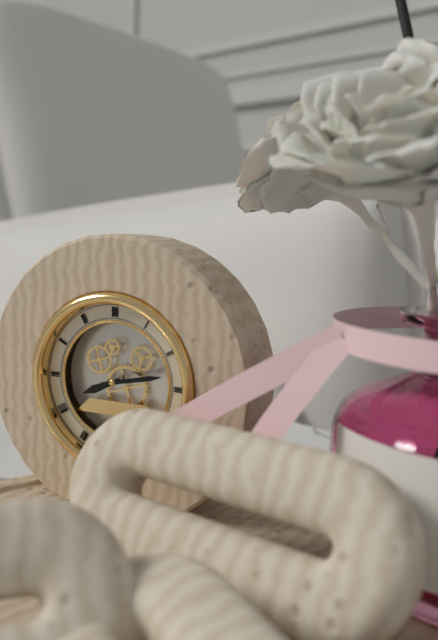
**8:13**
